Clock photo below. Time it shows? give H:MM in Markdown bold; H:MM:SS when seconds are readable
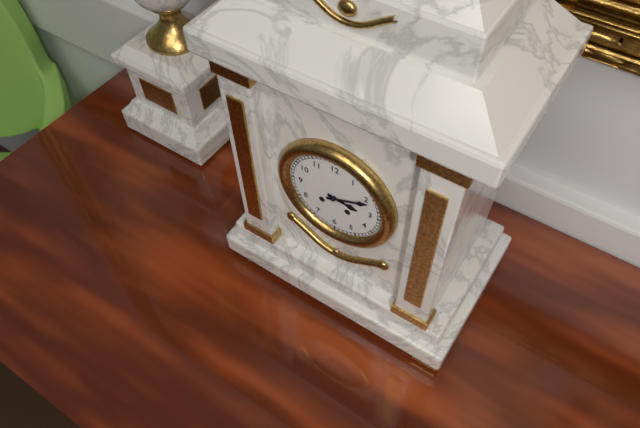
**3:11**
